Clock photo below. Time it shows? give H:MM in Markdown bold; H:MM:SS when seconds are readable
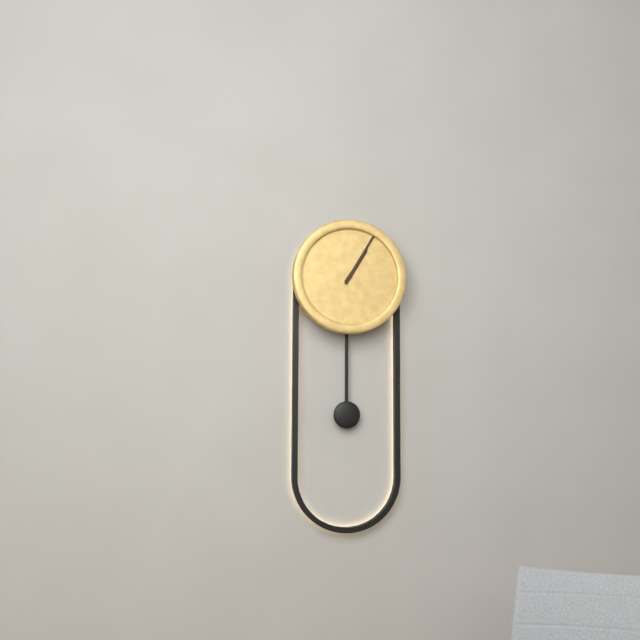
**1:05**
